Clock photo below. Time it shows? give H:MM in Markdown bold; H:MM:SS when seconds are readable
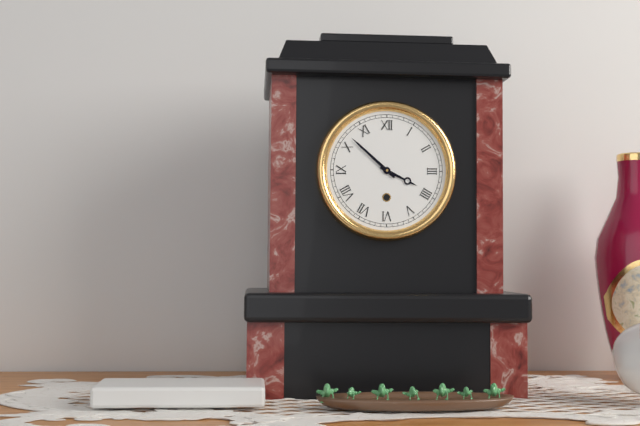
**3:52**
